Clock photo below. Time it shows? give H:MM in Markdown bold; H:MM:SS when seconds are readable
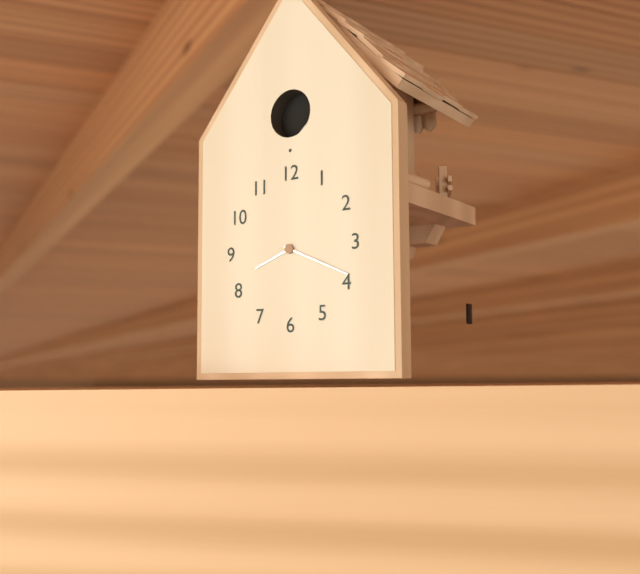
**8:19**
